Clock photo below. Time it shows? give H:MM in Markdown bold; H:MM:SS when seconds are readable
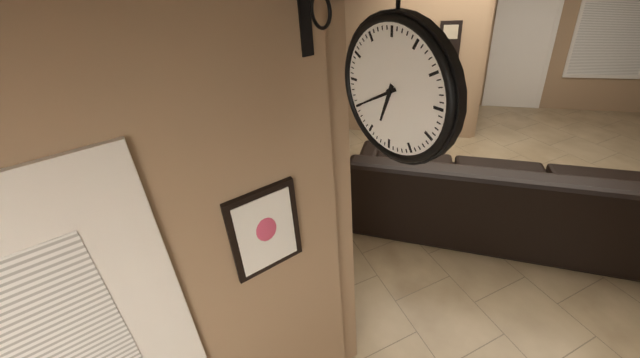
**6:40**
